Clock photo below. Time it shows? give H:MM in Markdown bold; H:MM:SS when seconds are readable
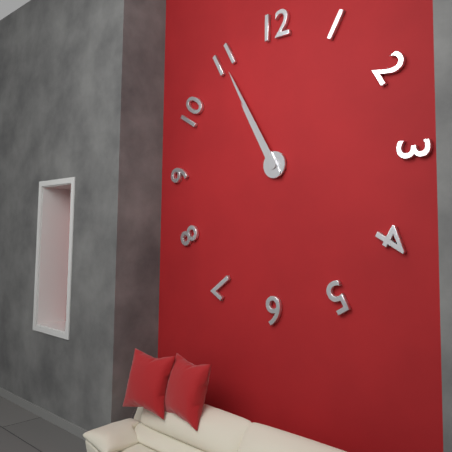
**10:55**
